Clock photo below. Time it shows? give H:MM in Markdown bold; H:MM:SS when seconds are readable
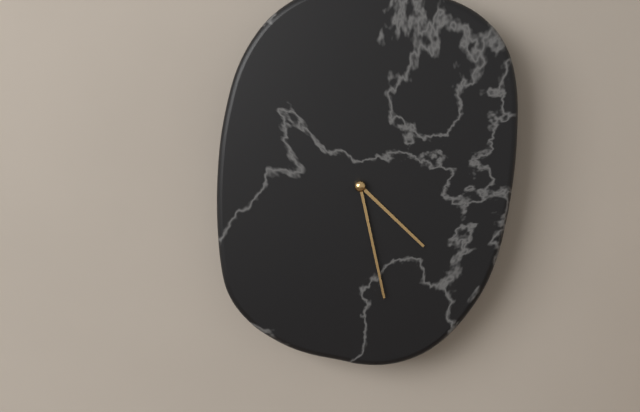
**4:28**
